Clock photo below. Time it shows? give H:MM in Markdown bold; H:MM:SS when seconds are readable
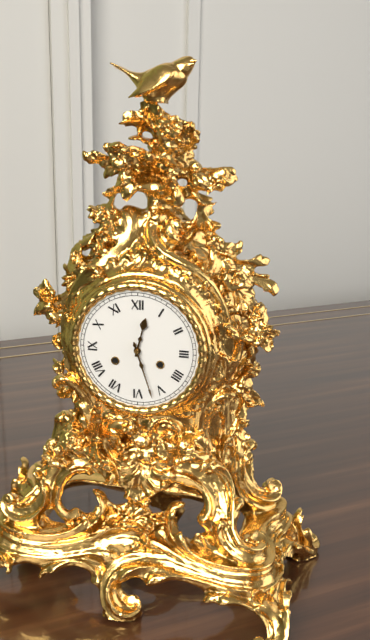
**12:27**
